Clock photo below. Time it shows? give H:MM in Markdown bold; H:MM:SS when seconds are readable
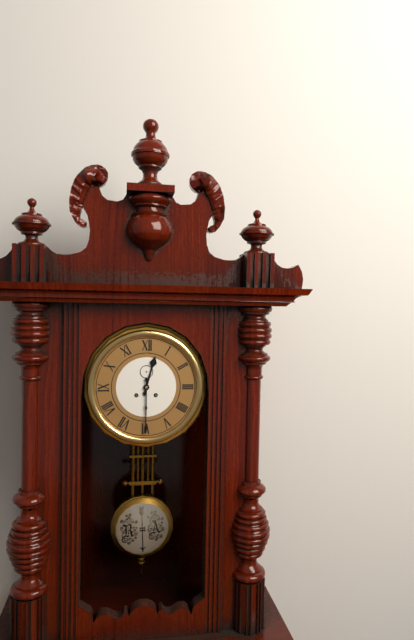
**12:30**
